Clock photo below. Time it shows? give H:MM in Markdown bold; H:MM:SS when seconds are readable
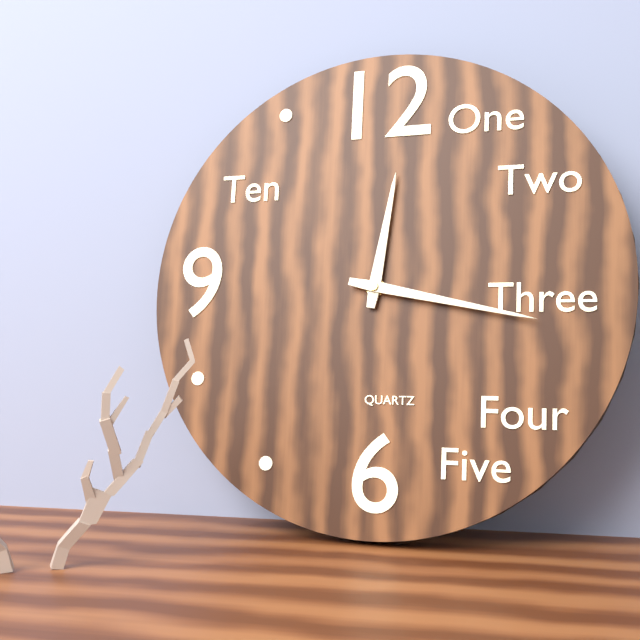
**12:17**
